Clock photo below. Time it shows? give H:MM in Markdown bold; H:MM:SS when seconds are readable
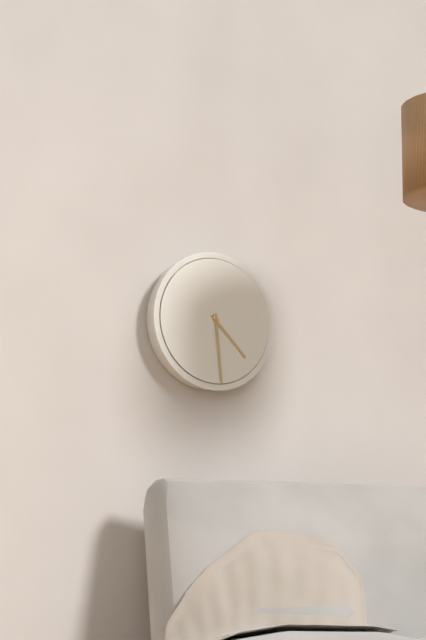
**4:29**
